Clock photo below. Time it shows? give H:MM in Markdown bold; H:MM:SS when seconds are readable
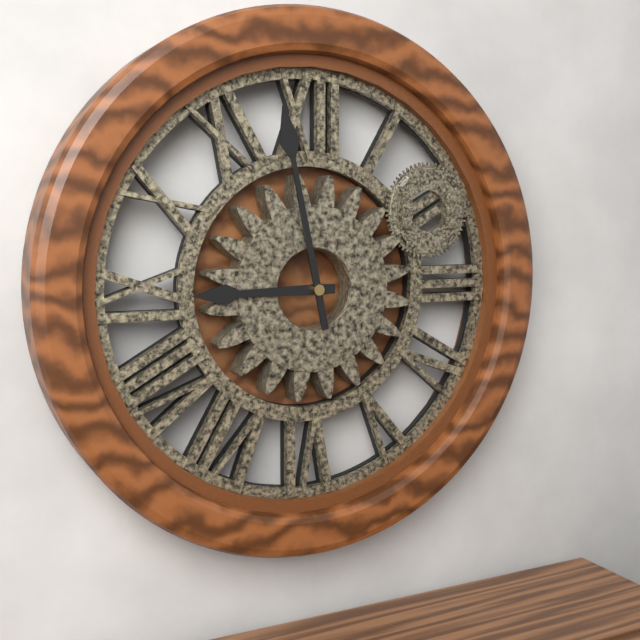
**8:58**
